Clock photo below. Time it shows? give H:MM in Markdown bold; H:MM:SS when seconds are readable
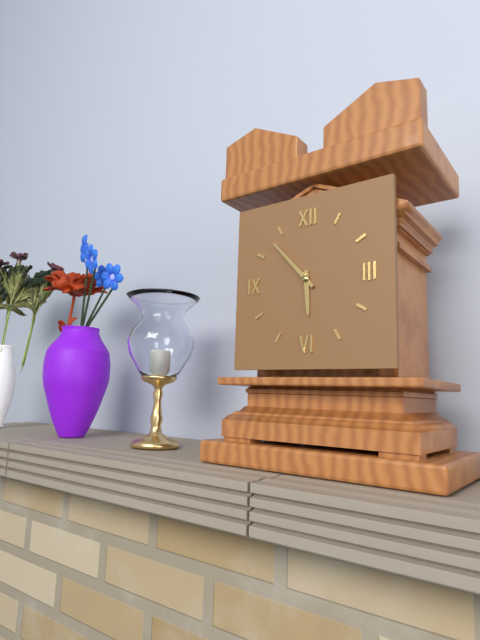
**5:53**
